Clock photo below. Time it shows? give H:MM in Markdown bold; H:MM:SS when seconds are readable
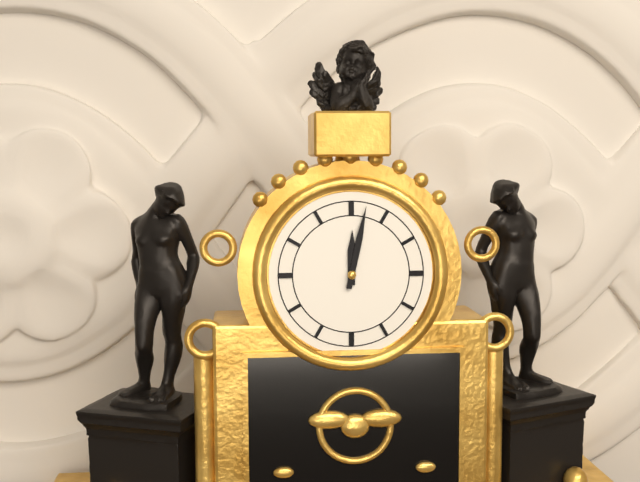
**12:02**
